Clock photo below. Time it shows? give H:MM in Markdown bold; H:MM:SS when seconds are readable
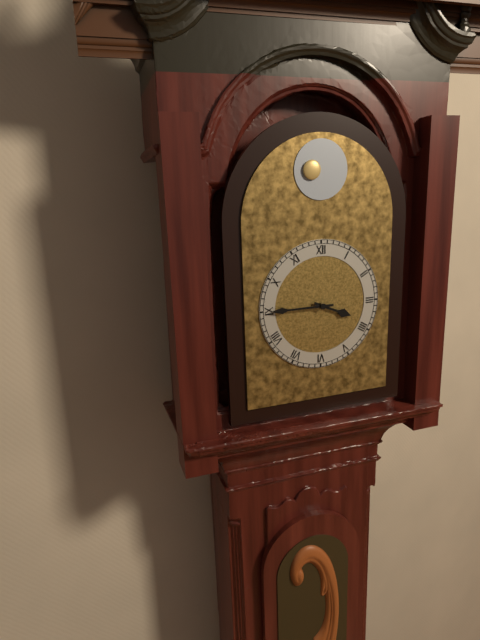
**3:45**
